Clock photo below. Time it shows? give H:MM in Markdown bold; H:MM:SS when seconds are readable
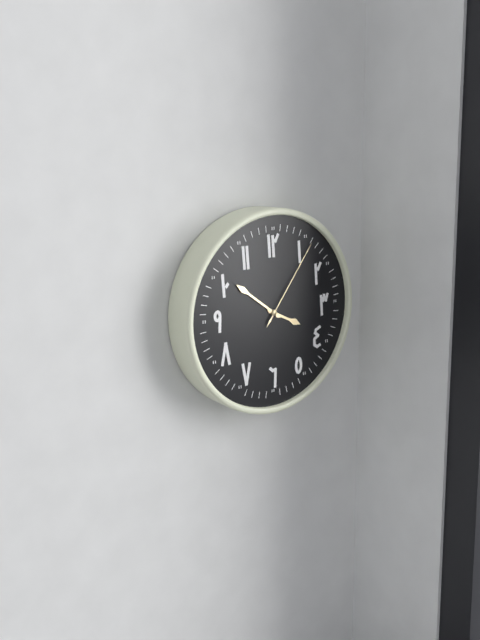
**3:51:06**
